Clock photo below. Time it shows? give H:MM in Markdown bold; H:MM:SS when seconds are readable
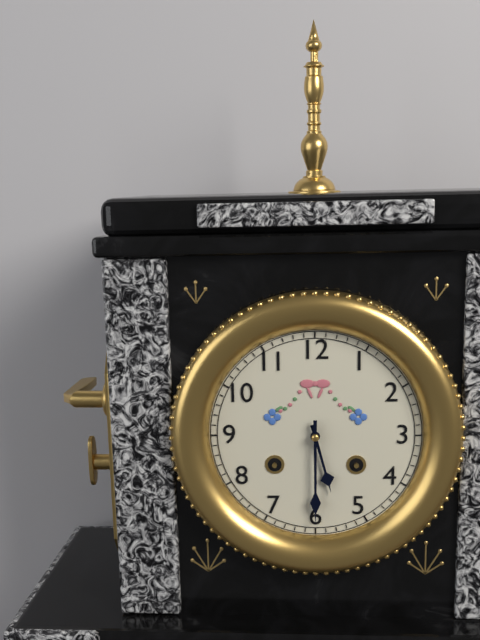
**5:30**
